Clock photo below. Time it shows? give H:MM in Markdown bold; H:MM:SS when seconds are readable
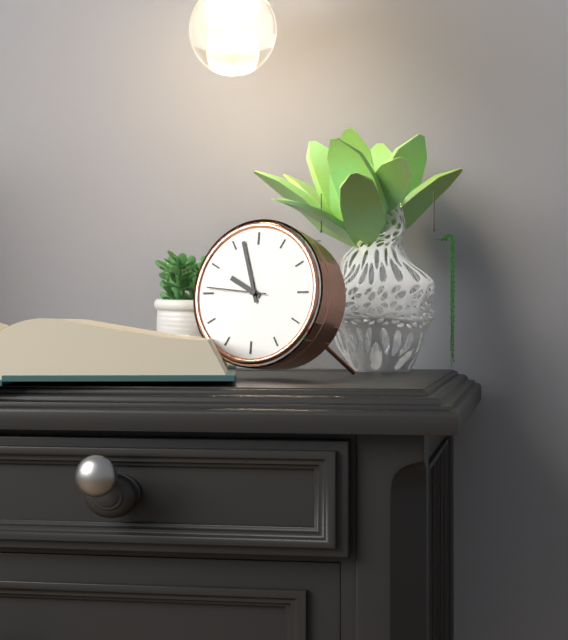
**9:57:46**
